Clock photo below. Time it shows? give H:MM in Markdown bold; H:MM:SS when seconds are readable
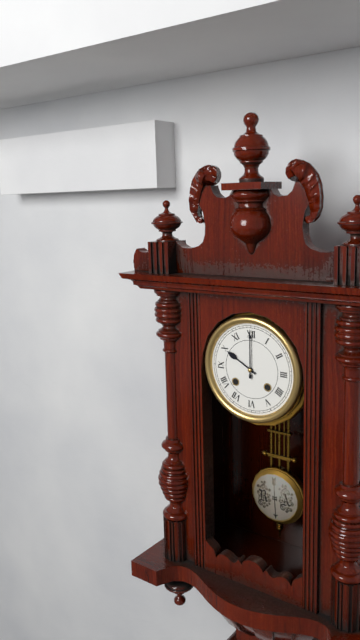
**10:00**
